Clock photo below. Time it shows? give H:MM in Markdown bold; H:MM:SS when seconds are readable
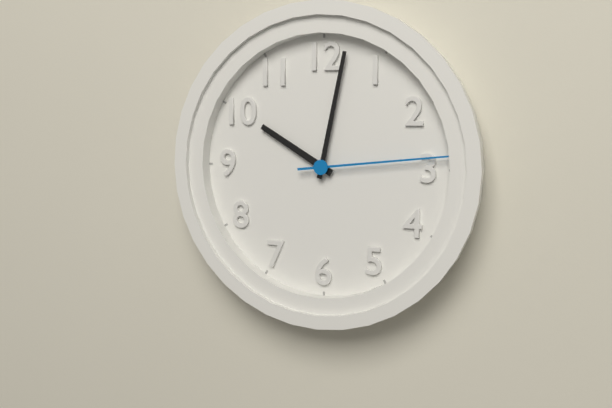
**10:02:14**
